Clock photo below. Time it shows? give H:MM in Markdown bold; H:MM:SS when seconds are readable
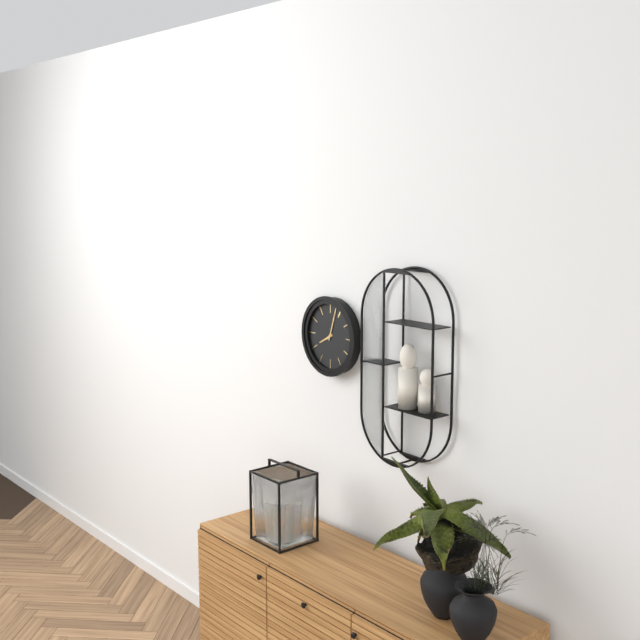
**8:03**
